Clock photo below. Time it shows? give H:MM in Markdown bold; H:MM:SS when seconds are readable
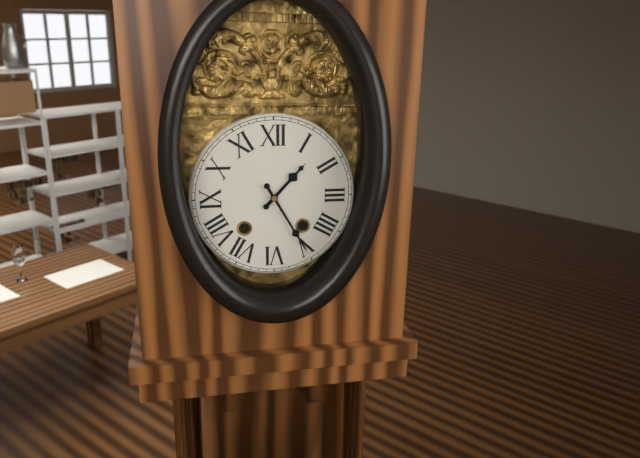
**1:25**
